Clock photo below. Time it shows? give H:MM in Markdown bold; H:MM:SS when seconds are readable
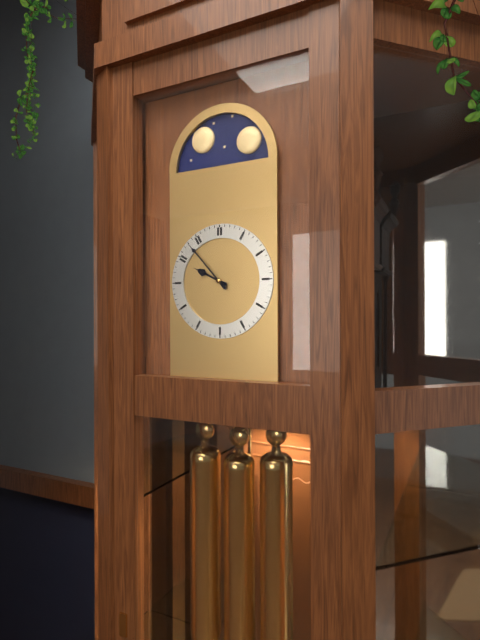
**9:53**
